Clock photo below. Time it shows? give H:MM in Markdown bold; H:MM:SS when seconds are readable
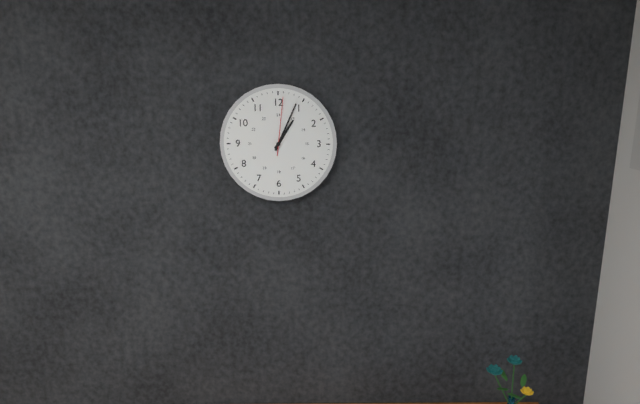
**1:04:01**
